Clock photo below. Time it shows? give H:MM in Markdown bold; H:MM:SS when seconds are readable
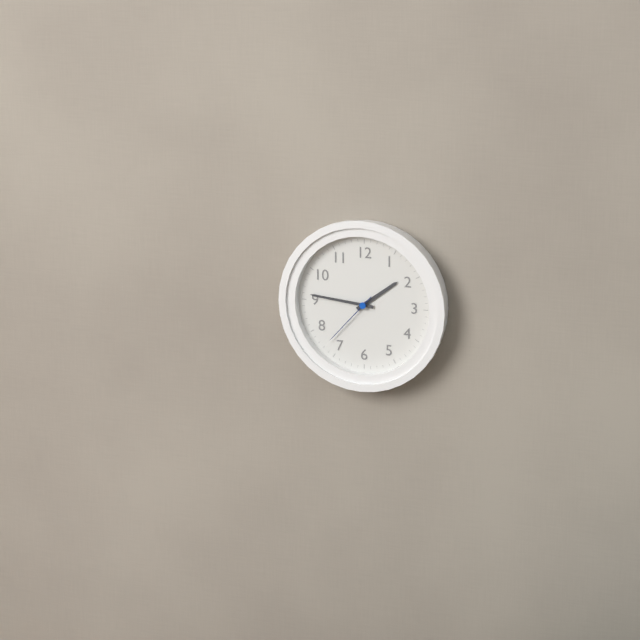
**1:46:37**
